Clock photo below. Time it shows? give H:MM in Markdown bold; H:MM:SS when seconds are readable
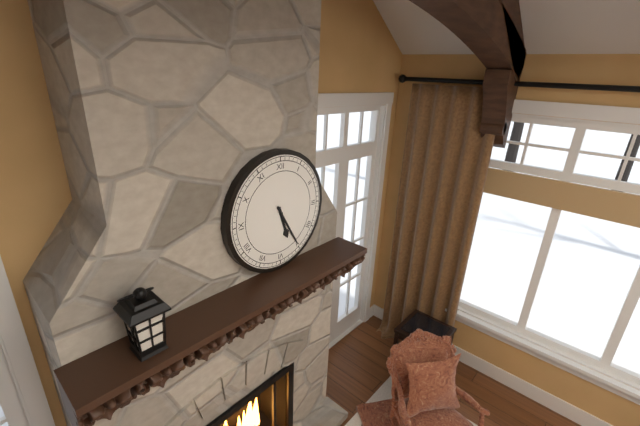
**5:25**
